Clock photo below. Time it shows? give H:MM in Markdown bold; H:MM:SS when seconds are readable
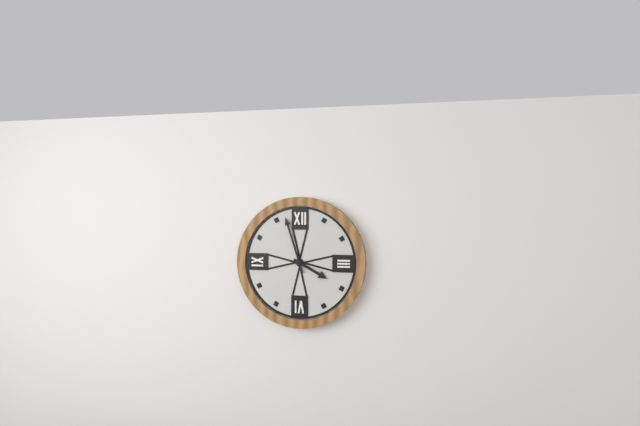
**3:57**
